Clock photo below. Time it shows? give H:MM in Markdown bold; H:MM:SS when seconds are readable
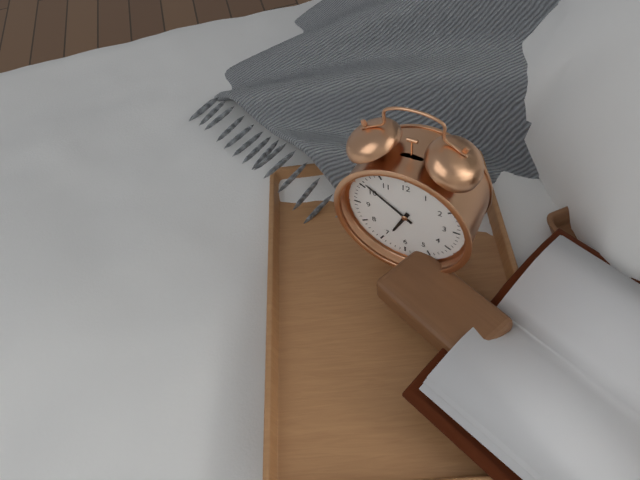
**6:51**
